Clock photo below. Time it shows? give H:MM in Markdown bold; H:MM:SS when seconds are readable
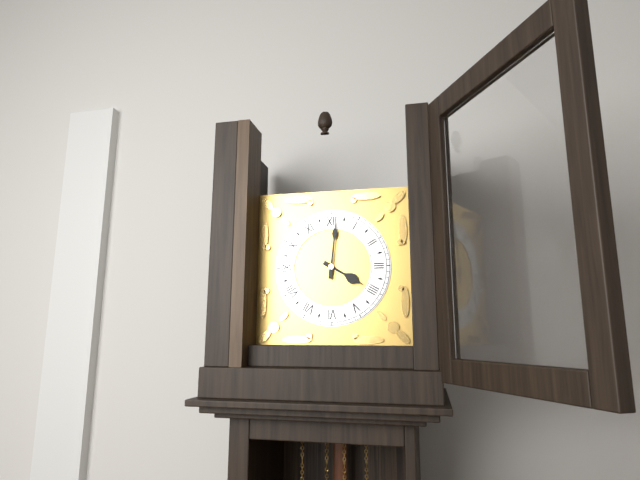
**4:01**
